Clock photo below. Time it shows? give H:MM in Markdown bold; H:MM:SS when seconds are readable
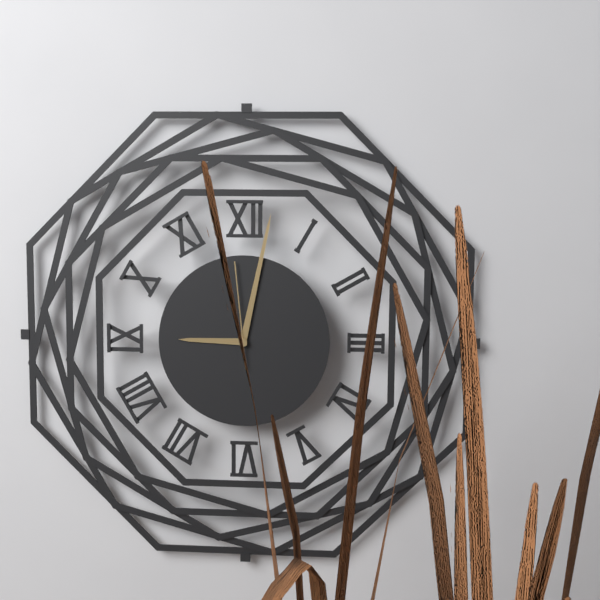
**9:02:59**
